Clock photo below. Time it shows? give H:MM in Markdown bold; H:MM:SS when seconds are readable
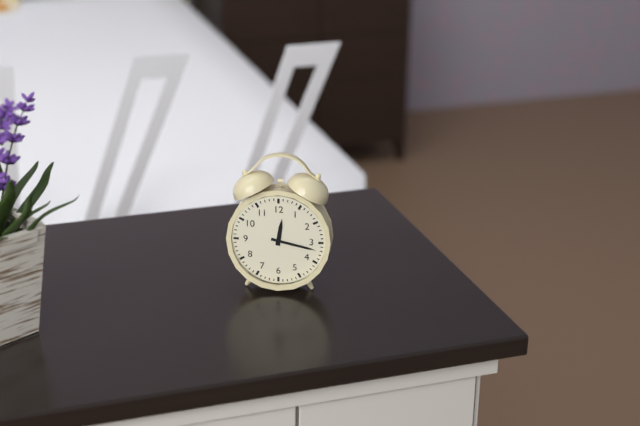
**12:17**
